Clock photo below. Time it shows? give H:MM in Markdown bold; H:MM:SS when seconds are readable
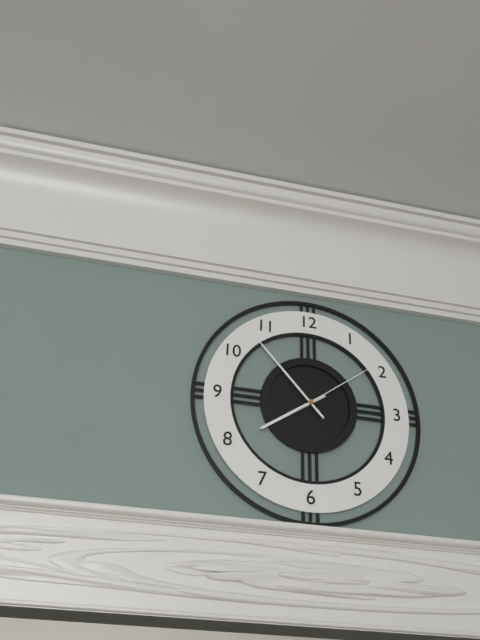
**7:53:09**
